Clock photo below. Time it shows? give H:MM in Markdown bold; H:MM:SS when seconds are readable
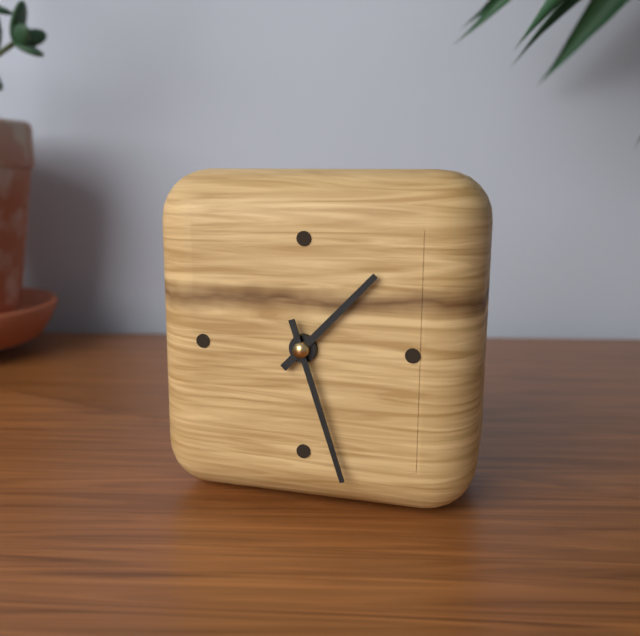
**1:27**
